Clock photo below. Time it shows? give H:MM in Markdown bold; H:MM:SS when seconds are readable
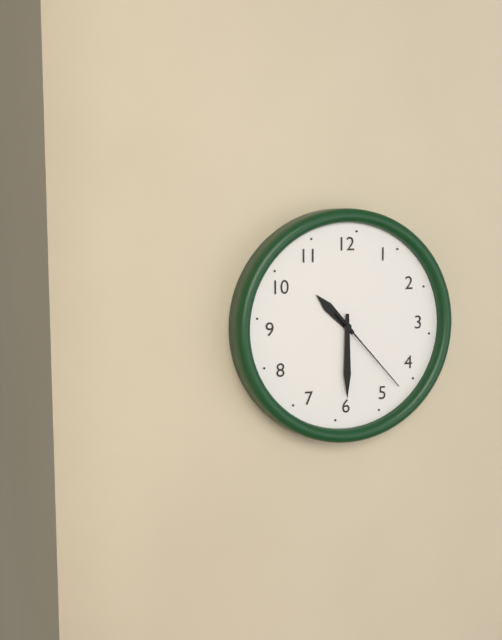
**10:30:23**
